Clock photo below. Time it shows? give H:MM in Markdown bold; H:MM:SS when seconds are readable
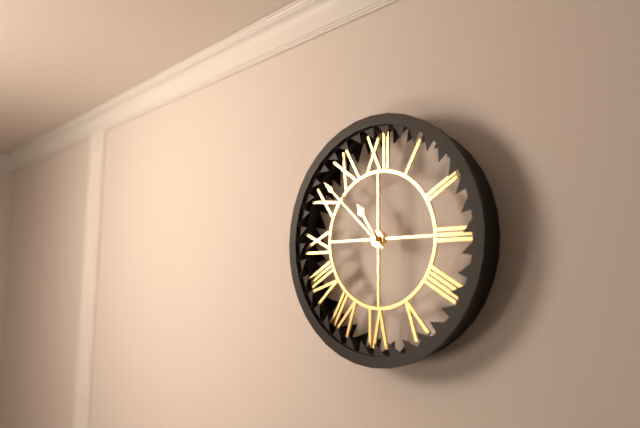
**10:52**
